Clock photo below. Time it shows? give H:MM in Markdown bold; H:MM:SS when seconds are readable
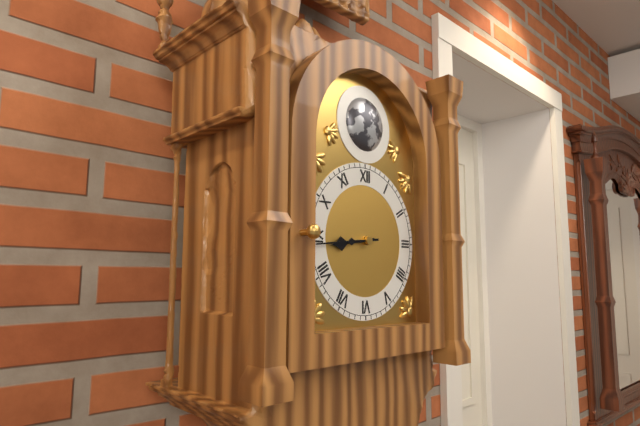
**8:44**
